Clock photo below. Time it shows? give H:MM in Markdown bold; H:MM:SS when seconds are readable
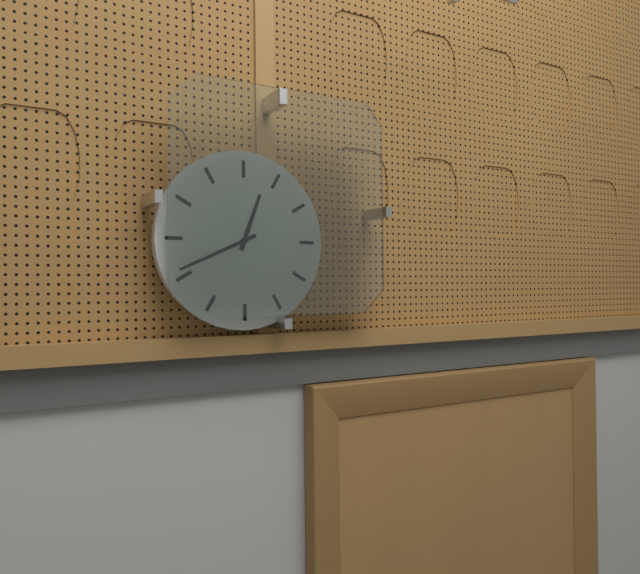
**12:41**
